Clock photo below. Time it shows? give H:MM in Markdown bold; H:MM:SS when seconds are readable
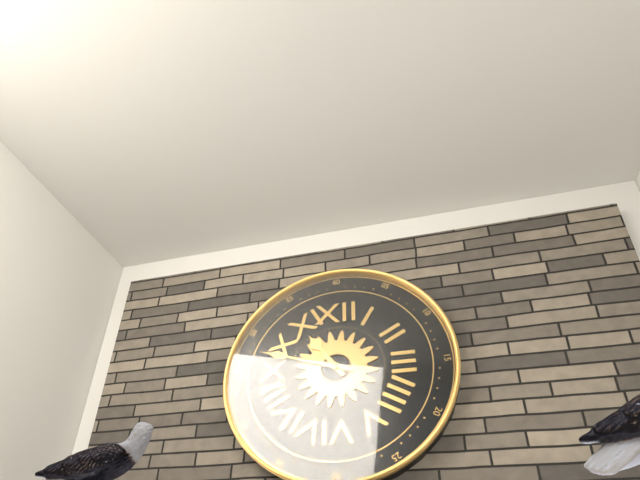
**10:48**
